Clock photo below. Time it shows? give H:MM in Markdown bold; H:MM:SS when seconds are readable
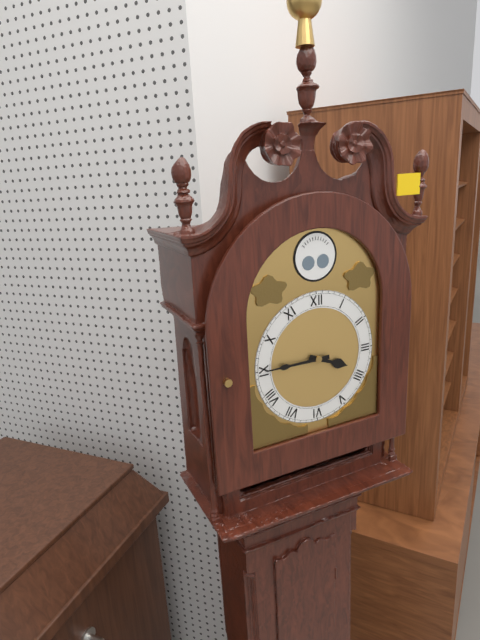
**3:45**
